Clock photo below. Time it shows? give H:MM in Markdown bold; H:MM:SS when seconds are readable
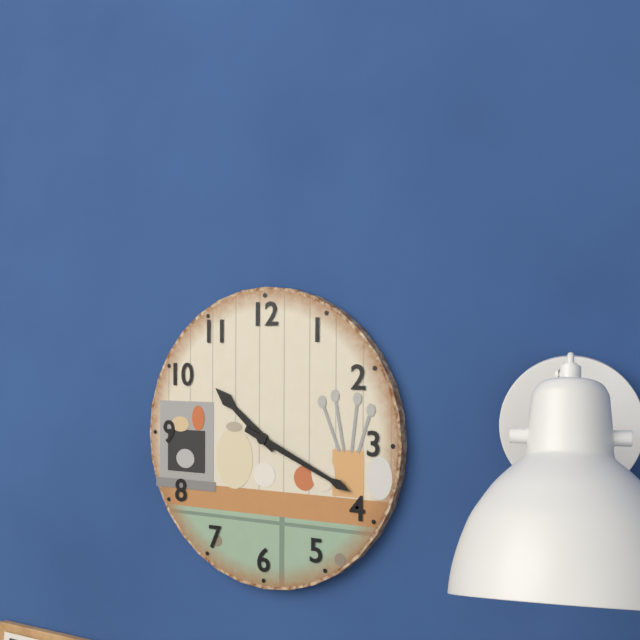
**10:19**
